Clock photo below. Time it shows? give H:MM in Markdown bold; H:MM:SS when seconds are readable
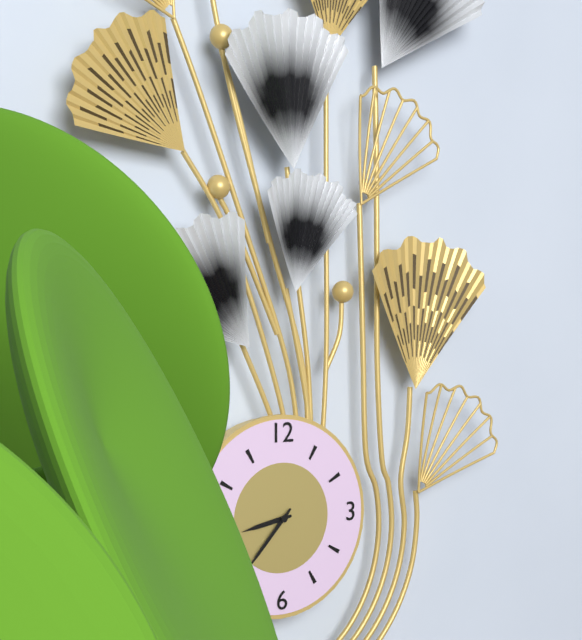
**8:37**
